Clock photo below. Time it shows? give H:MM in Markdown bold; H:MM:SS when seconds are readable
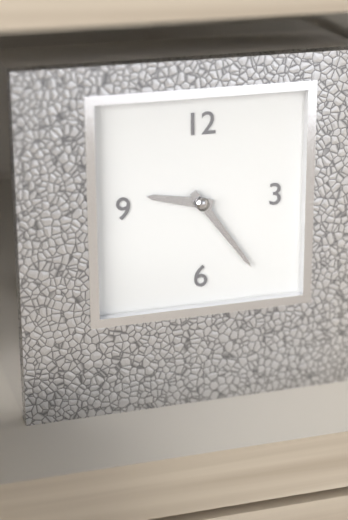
**9:24**
